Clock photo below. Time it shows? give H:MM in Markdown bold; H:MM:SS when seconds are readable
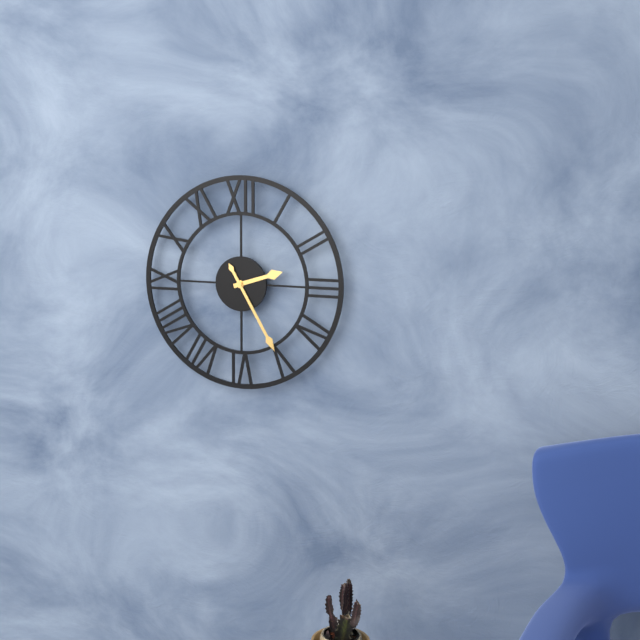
**2:25**
